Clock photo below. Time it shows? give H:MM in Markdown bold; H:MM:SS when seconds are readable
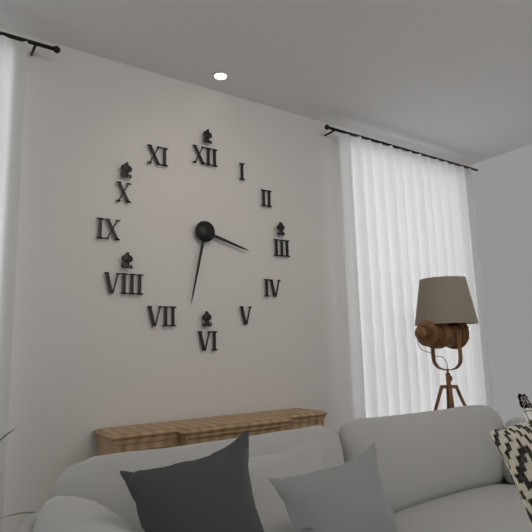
**3:32**
